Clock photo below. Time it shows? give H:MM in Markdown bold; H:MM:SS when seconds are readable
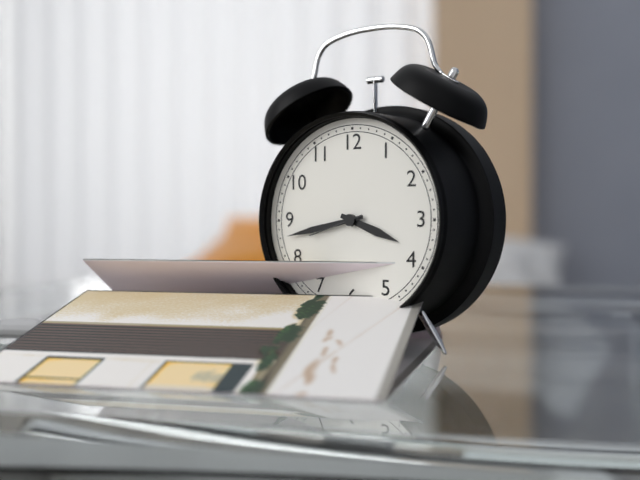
**3:43:42**
